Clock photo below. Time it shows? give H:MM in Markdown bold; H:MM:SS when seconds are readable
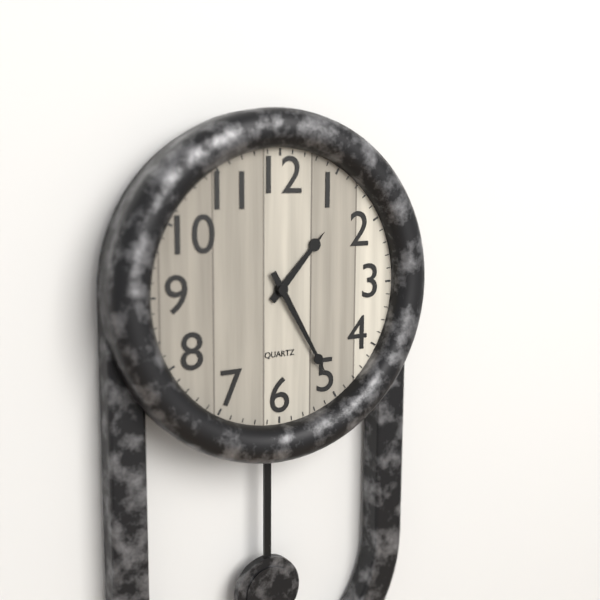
**1:25**
